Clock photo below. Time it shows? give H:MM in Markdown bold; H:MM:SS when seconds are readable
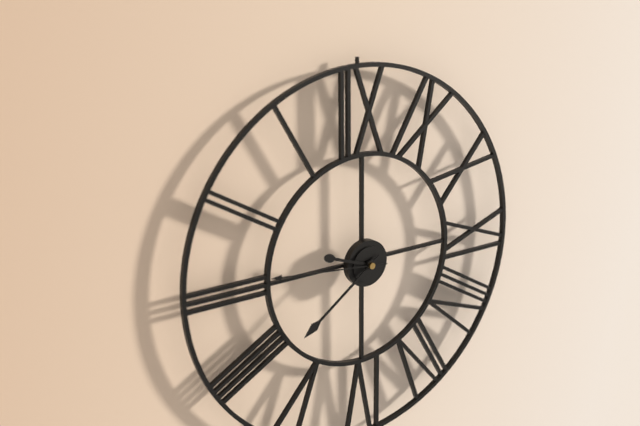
**9:39:46**
